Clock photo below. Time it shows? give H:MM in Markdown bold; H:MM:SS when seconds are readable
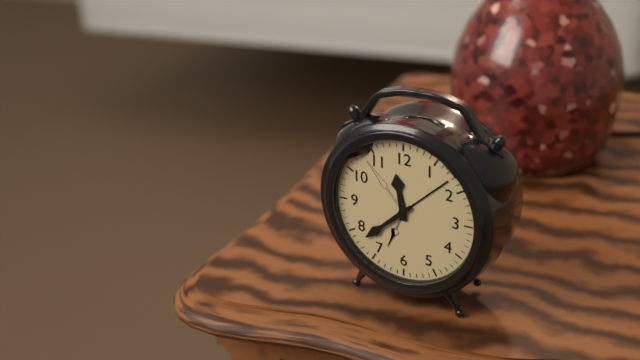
**11:38**
